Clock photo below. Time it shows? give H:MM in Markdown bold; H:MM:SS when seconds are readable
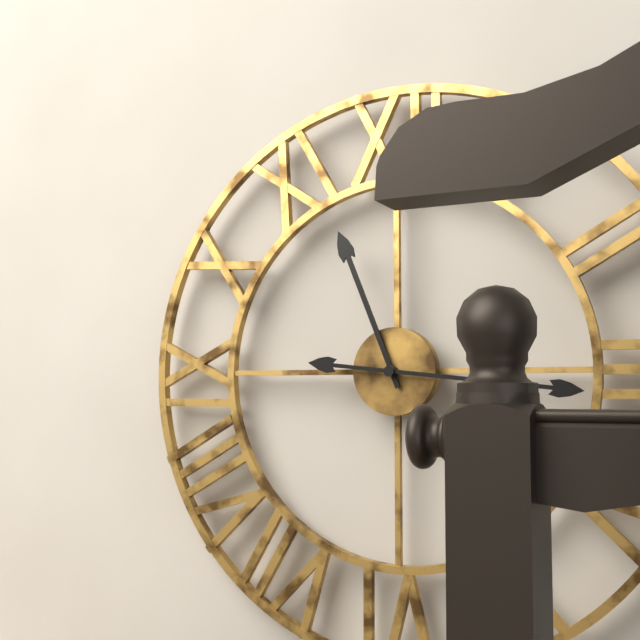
**11:16**
